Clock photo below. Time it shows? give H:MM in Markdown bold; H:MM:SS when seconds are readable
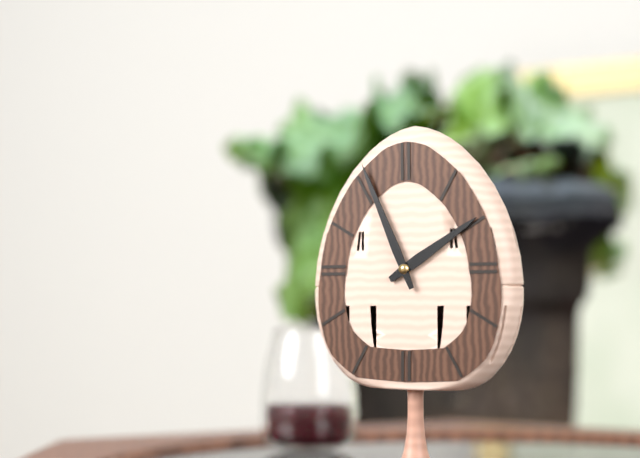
**1:56**
